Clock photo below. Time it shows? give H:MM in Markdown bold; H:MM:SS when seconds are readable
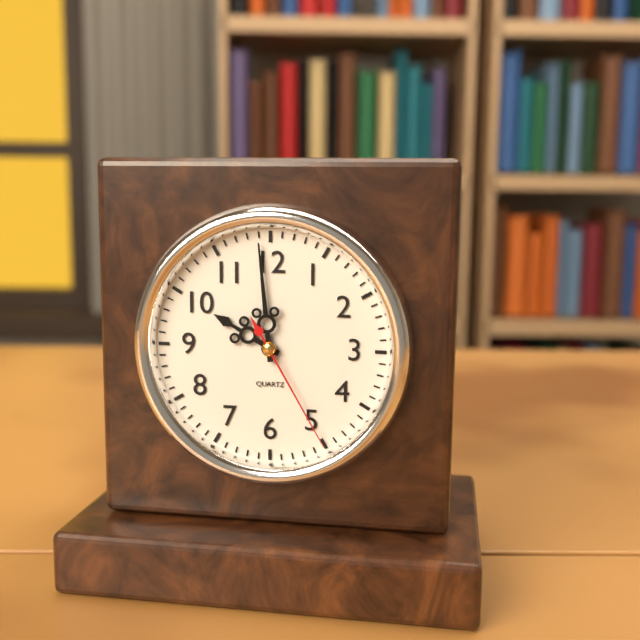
**9:59:25**
